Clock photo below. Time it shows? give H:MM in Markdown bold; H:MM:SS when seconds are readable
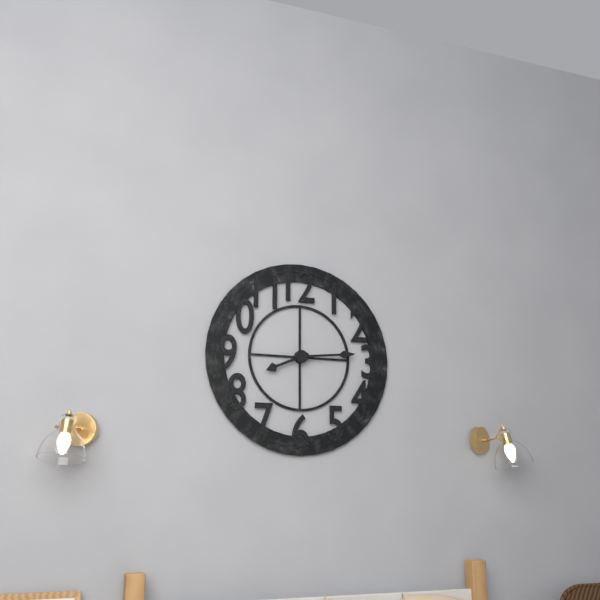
**8:14**
